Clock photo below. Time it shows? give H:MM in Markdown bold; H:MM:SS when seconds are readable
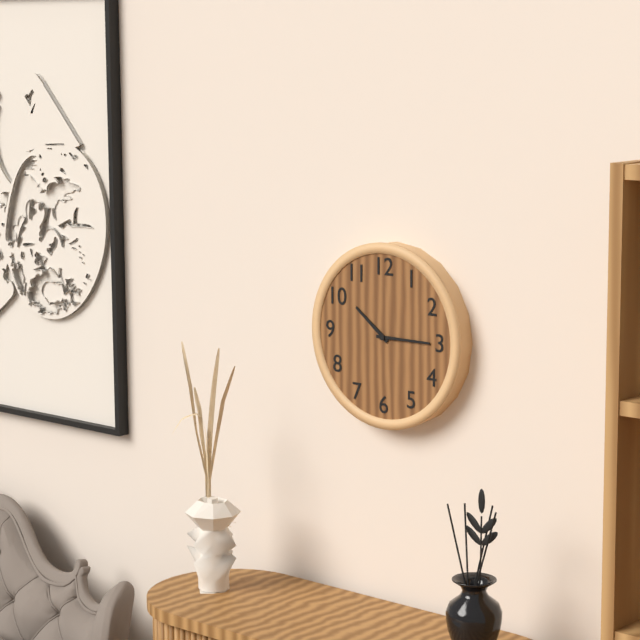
**10:15**
